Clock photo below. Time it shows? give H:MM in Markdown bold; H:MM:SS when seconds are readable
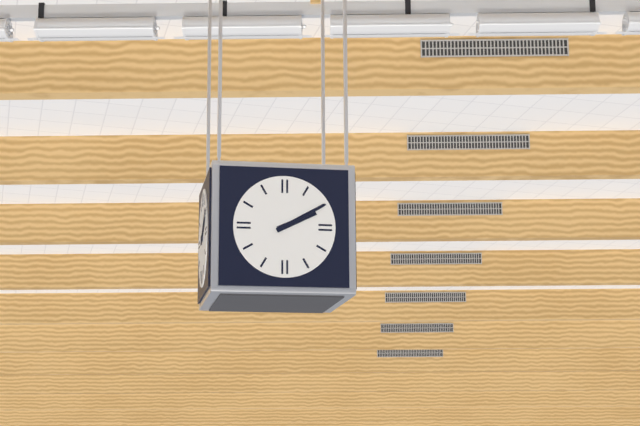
**2:10**
